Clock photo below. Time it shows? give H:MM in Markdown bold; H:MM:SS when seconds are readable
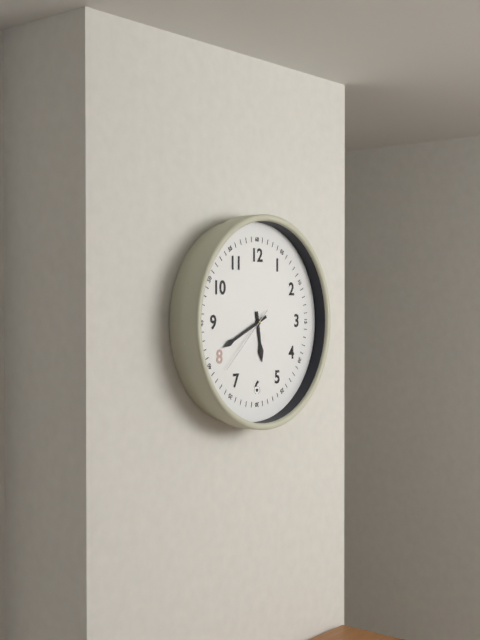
**5:41:38**
